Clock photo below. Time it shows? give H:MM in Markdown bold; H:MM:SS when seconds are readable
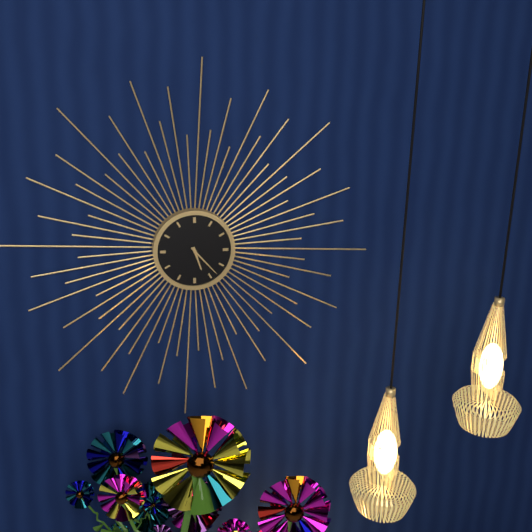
**5:23**
